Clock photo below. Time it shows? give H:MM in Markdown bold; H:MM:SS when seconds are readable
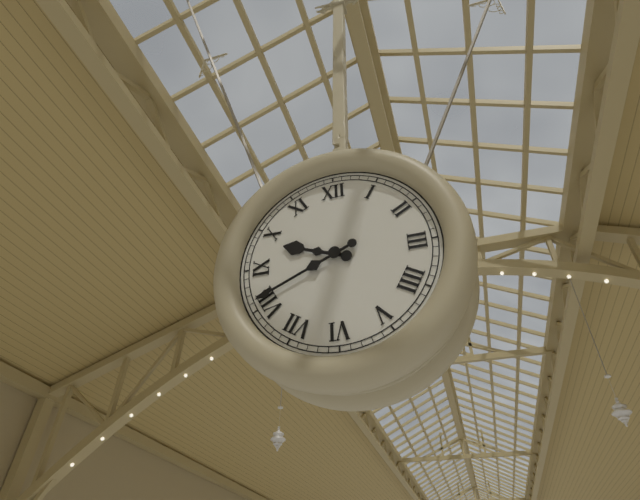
**9:41**
